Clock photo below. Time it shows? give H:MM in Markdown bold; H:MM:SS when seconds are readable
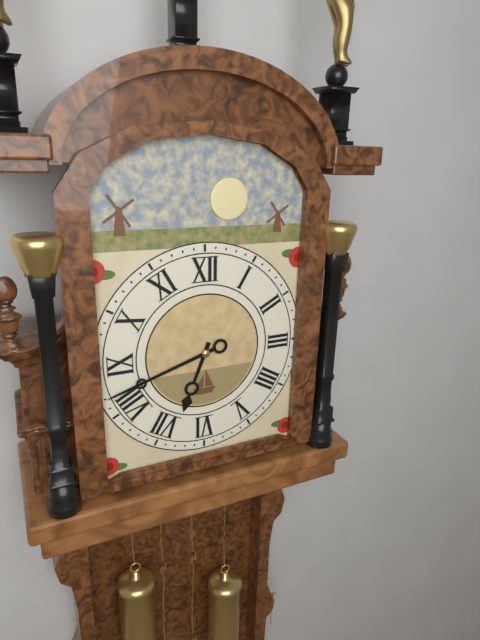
**6:42**
